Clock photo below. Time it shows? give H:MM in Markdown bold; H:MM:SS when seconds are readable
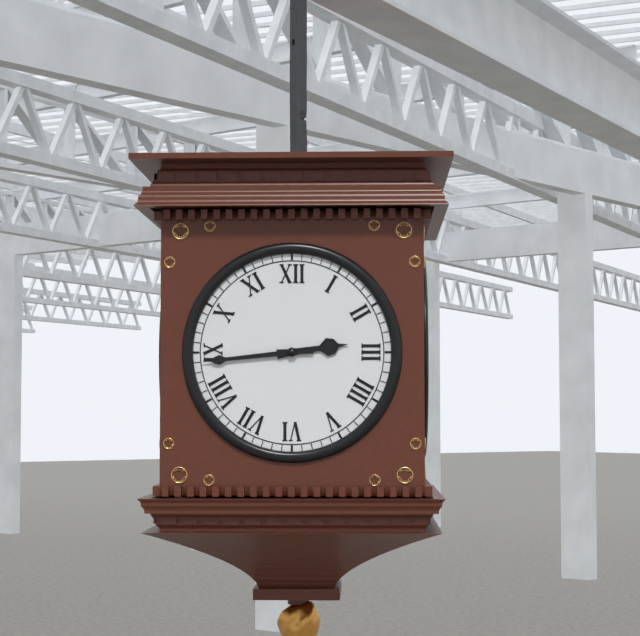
**2:44**
